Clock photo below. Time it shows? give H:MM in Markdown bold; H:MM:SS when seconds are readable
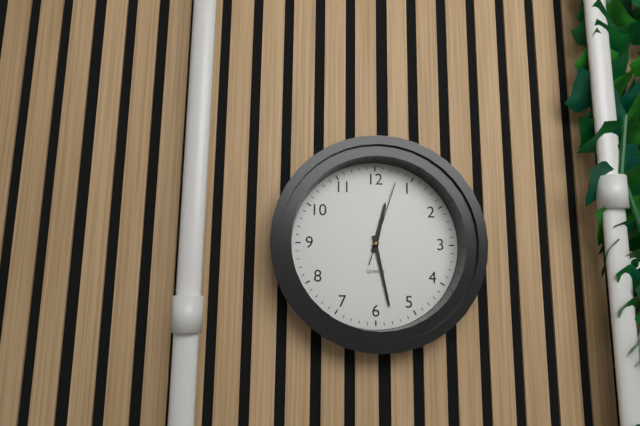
**12:28:03**
